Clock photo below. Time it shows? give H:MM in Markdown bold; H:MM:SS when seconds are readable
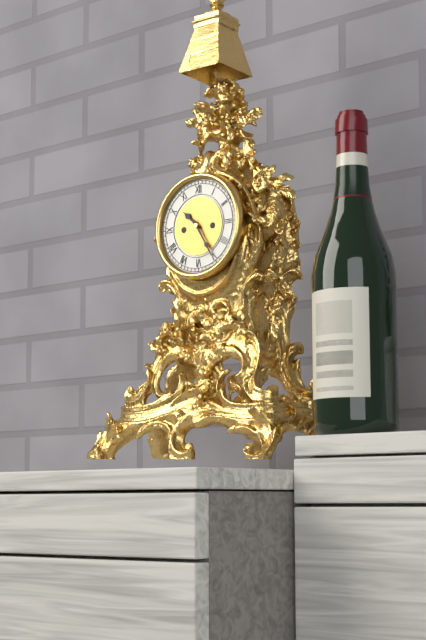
**10:25**
